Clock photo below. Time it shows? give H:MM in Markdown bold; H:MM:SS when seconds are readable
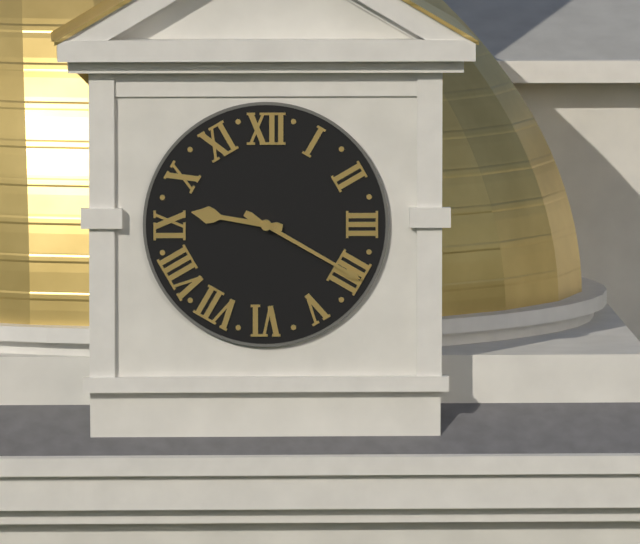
**9:20**
